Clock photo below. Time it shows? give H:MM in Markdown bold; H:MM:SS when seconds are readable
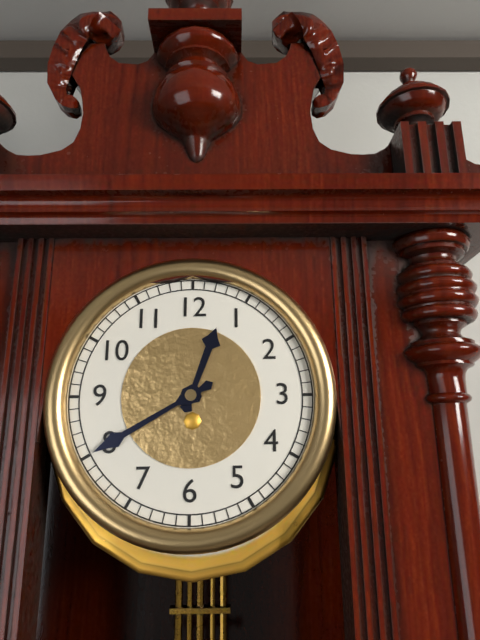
**12:40**
